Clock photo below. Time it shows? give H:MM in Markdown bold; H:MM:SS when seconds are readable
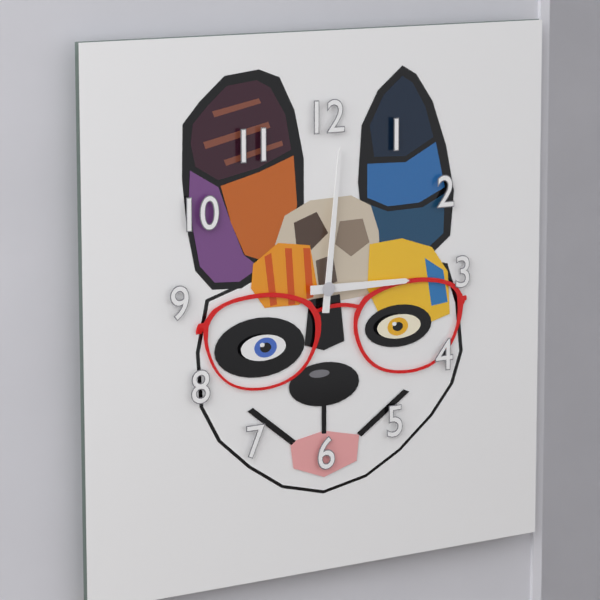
**3:01**
